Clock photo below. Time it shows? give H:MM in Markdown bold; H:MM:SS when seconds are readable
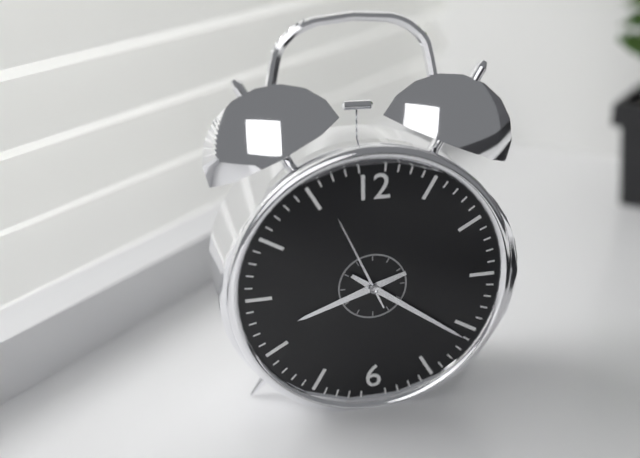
**8:21:56**
